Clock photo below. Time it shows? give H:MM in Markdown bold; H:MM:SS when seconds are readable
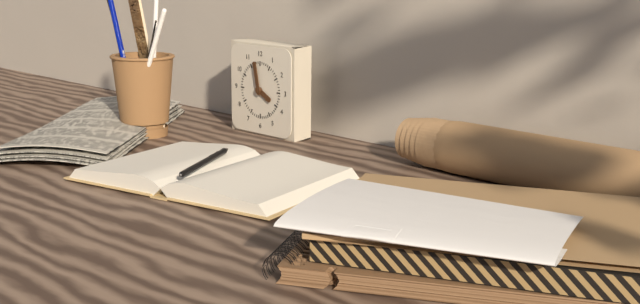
**3:58**
